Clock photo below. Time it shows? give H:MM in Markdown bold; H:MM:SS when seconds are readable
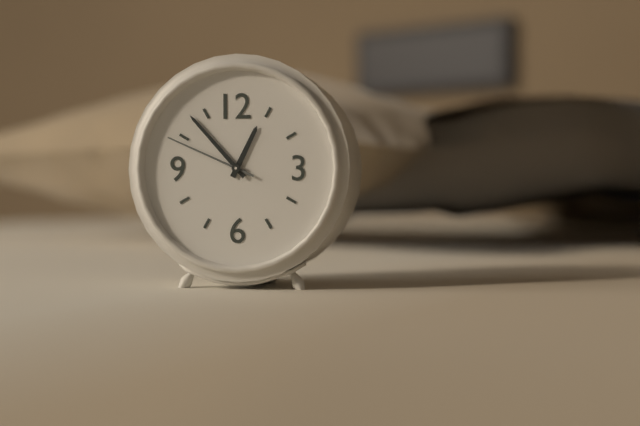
**12:53:49**
